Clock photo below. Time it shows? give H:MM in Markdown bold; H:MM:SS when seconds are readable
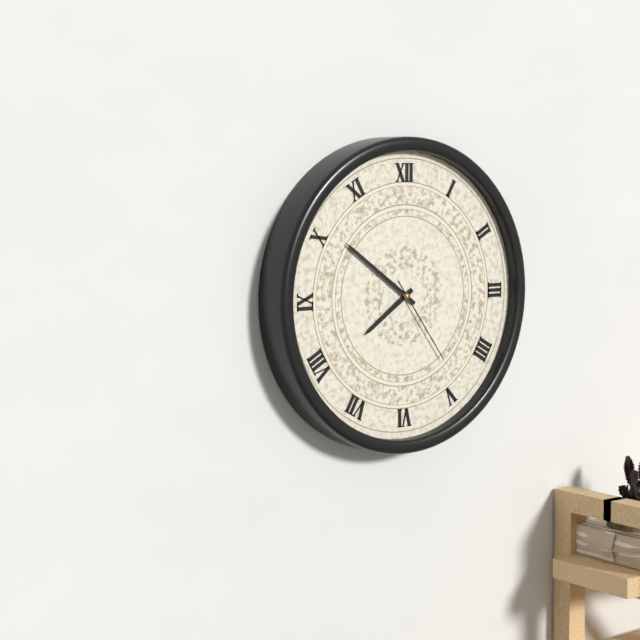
**7:51:24**
